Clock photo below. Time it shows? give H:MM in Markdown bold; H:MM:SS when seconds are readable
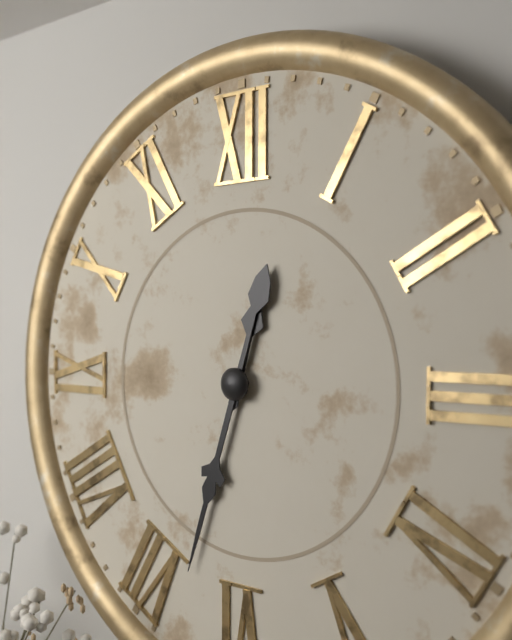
**12:33**
